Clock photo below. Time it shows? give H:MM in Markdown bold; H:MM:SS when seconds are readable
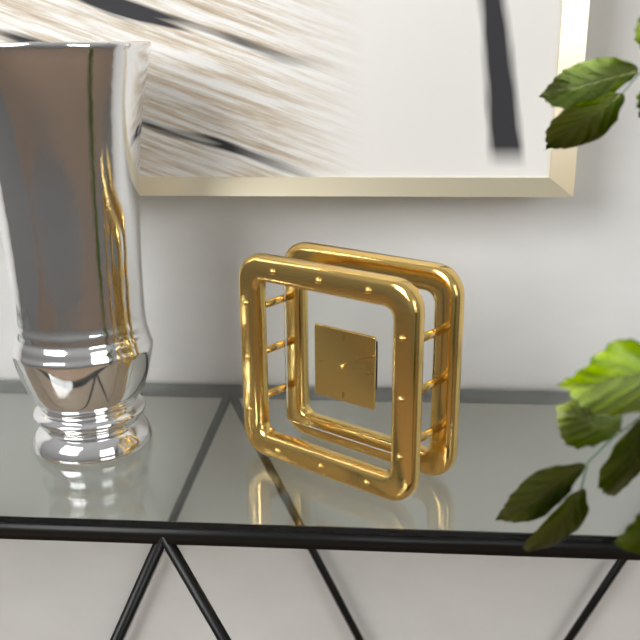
**2:11**
